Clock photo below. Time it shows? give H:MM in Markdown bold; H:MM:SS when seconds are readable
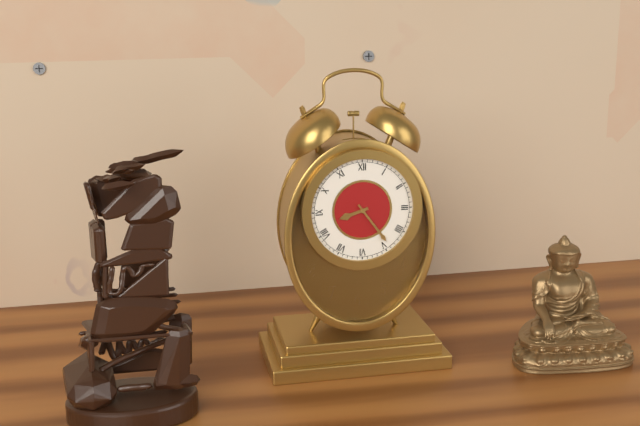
**8:24**
